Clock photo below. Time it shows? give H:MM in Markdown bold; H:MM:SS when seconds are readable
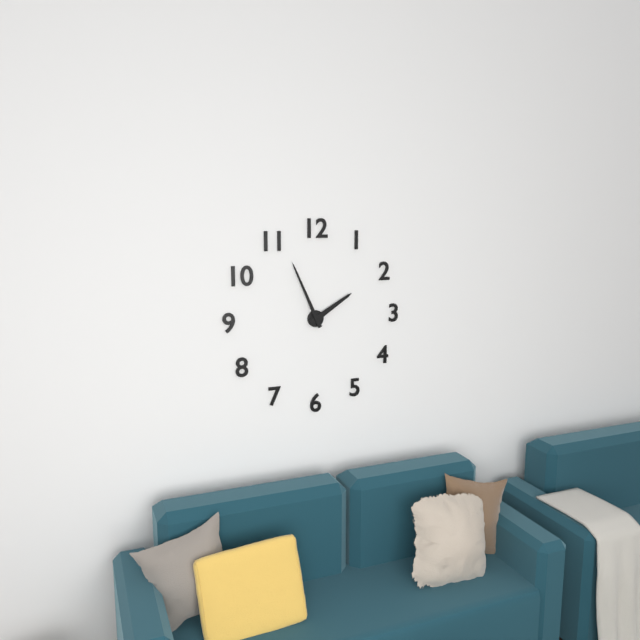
**1:56**
